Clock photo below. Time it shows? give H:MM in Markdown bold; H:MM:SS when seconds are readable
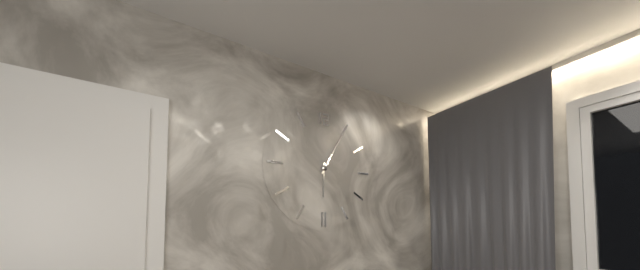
**6:05**
